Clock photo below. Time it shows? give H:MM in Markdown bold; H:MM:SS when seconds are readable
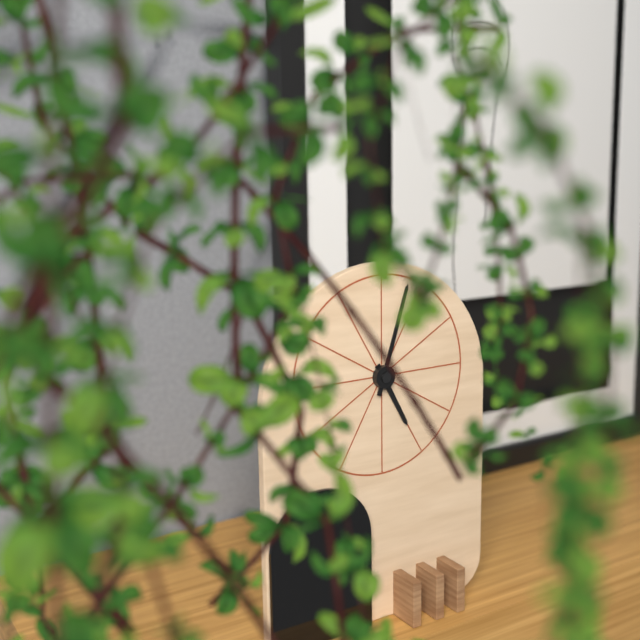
**5:03**
